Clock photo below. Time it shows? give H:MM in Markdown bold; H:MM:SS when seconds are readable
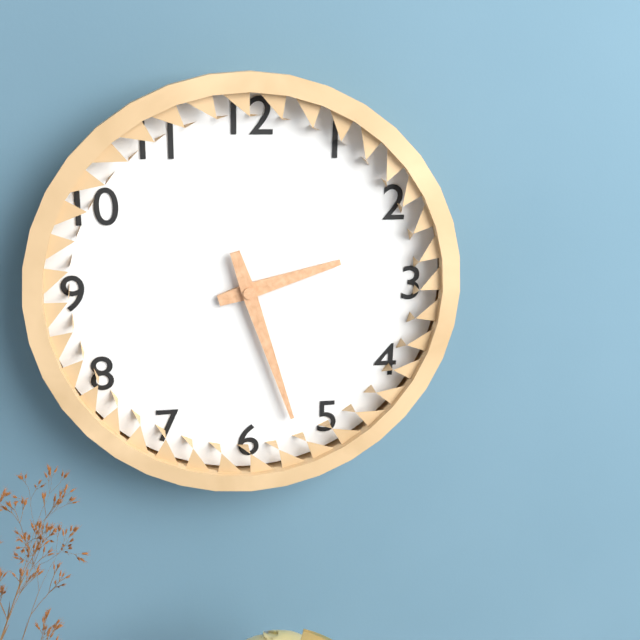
**2:27**
